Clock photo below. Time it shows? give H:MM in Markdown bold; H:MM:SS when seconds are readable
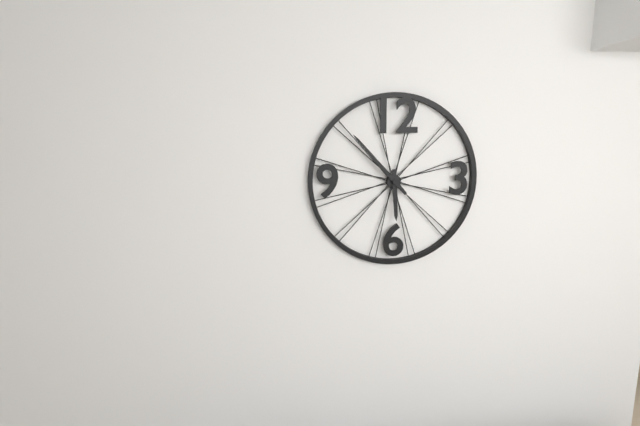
**5:53**
